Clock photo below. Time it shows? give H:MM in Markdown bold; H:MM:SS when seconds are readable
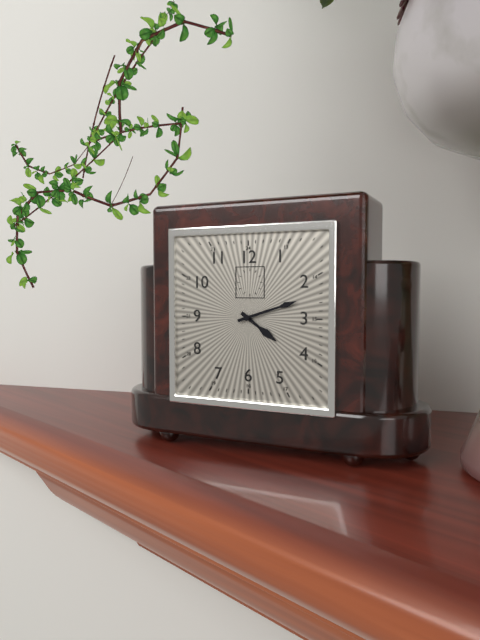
**4:12**
